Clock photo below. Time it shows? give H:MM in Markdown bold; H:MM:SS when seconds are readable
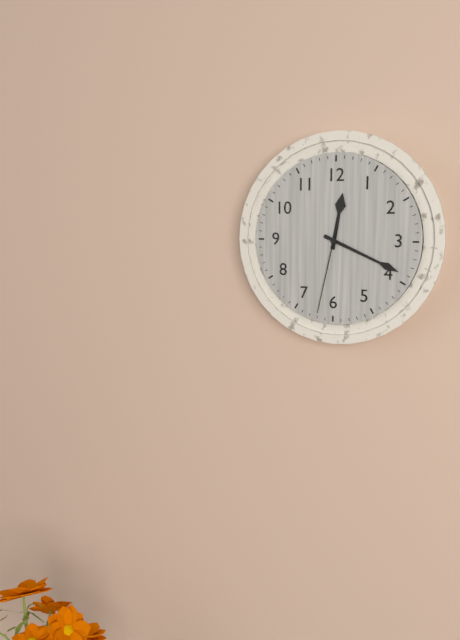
**12:19:32**
